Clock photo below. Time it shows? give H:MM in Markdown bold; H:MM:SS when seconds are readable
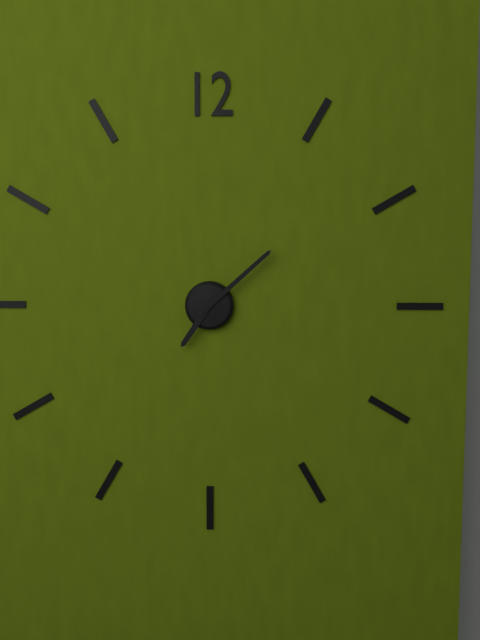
**7:08**
